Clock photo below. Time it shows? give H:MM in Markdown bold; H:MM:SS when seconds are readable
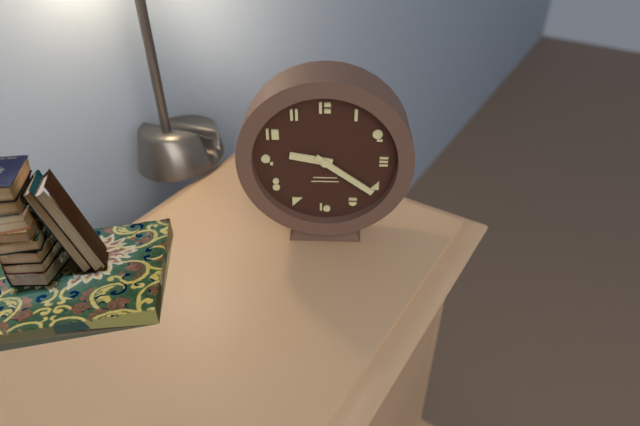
**9:21**
